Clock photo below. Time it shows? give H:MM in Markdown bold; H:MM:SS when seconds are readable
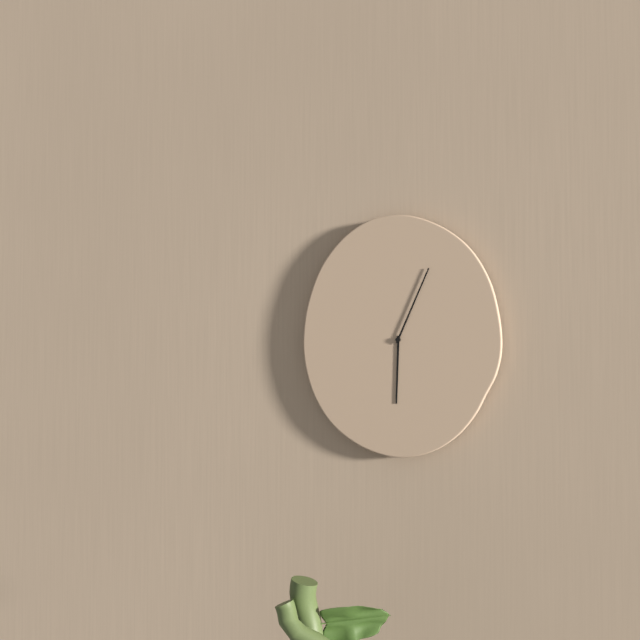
**6:04**
